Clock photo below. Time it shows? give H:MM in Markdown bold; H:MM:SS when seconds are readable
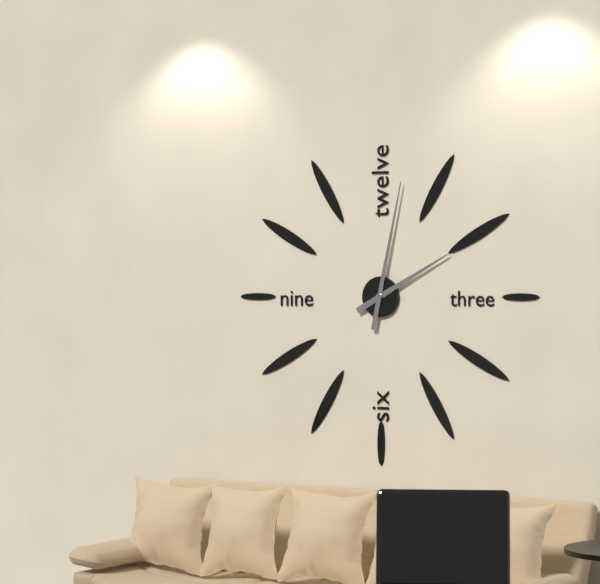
**2:02**
